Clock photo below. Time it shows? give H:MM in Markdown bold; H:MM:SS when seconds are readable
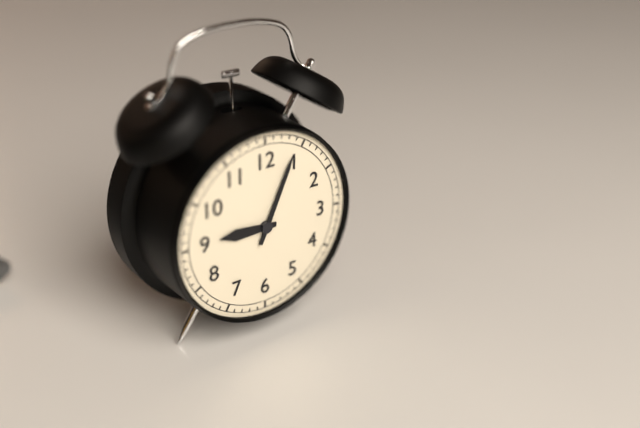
**9:04**
